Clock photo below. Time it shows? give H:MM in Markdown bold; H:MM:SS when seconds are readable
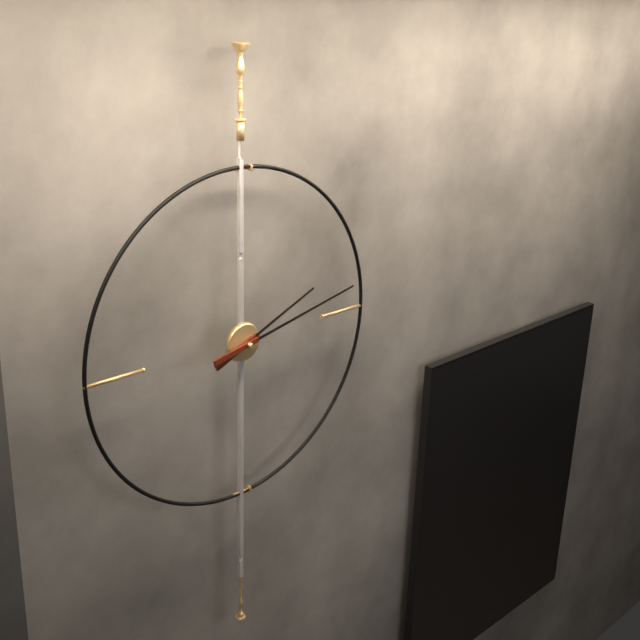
**2:13**
